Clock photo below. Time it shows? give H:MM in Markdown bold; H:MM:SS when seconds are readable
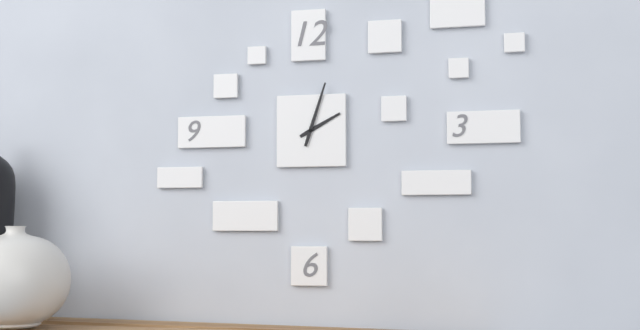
**2:03**
